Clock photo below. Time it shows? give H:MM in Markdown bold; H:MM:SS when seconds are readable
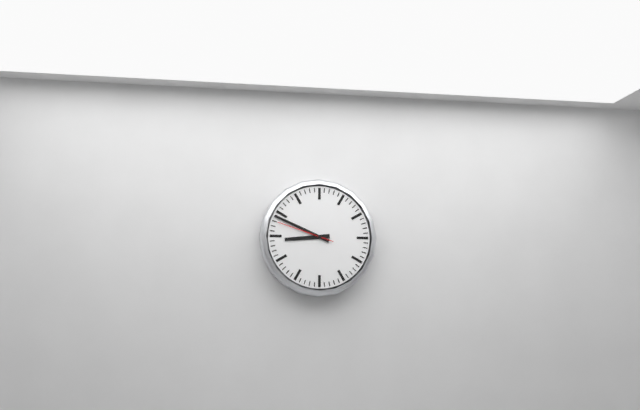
**8:49:48**
